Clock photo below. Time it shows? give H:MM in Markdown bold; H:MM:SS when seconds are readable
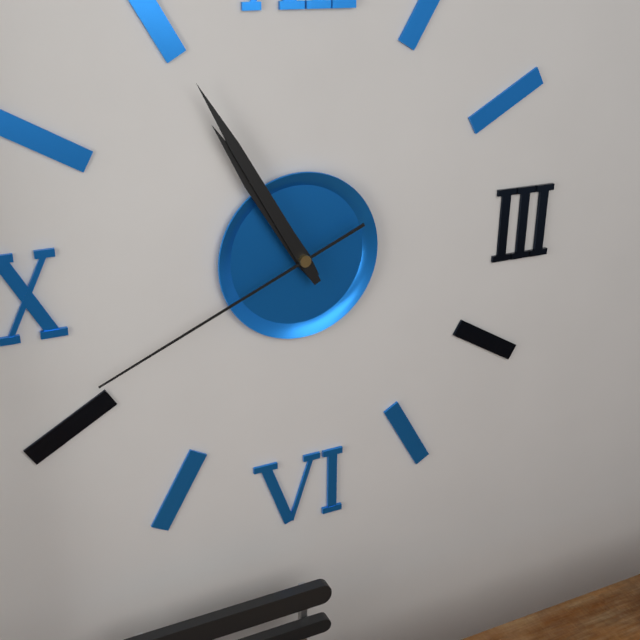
**10:55:41**
